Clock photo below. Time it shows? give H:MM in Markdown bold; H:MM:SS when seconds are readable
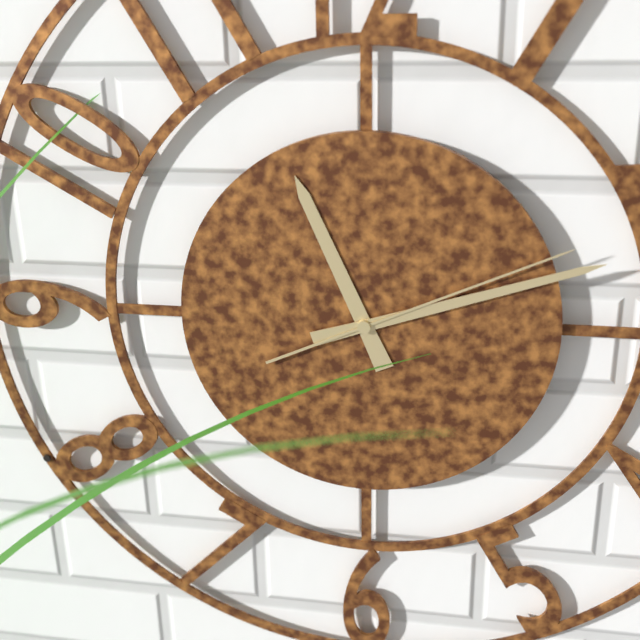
**11:12:11**
